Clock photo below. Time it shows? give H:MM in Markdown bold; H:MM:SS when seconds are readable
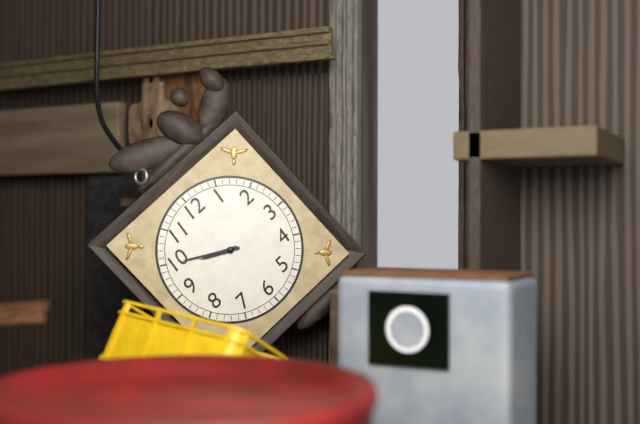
**9:50**
